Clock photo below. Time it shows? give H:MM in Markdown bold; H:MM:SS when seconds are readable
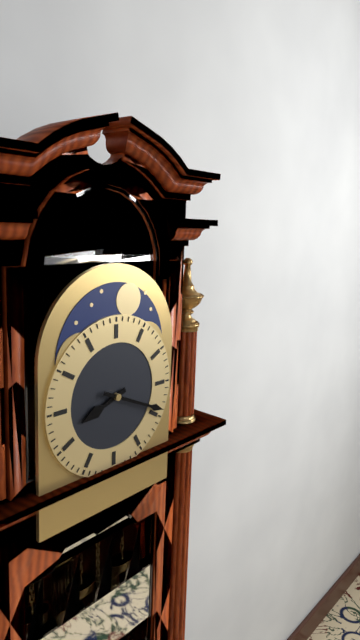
**8:19**
